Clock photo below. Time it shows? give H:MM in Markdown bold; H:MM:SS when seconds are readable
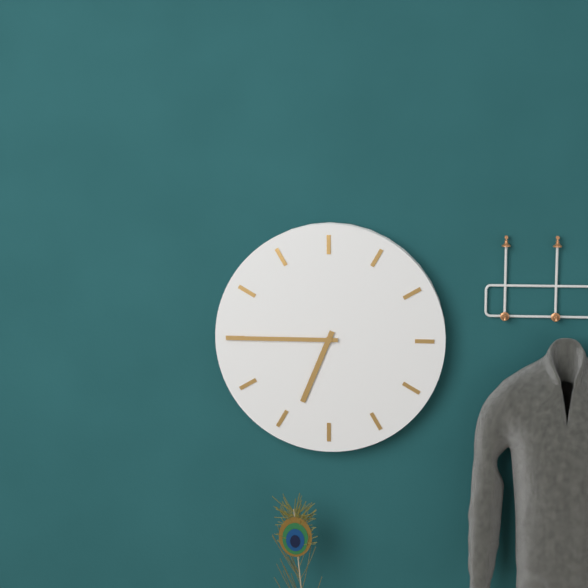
**6:45**
